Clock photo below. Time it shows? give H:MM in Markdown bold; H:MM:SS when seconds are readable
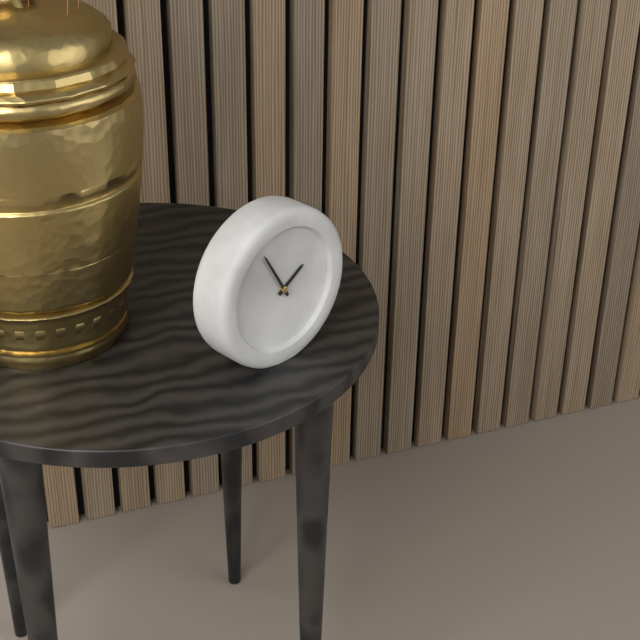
**1:55**
